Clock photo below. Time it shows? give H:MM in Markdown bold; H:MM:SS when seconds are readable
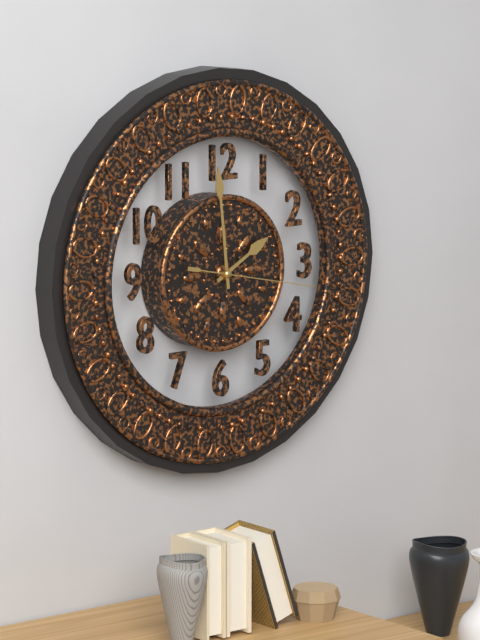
**1:59:17**
